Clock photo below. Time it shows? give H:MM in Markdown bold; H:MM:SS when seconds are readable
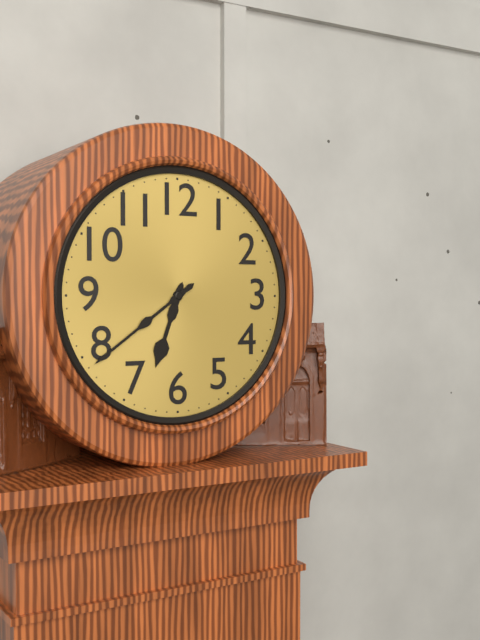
**6:39**
